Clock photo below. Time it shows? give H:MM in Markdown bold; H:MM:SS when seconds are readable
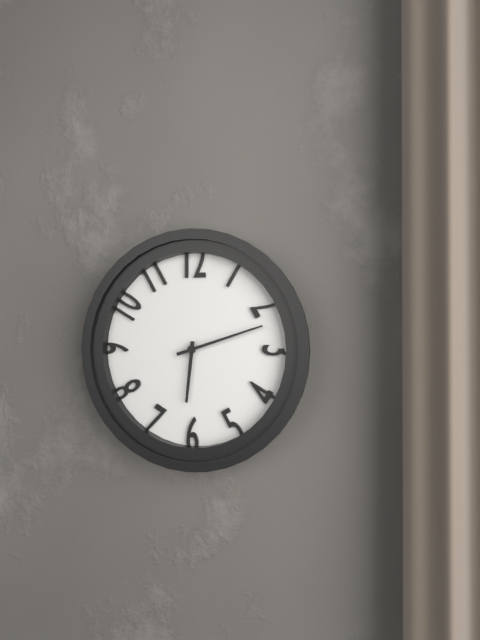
**6:12**
